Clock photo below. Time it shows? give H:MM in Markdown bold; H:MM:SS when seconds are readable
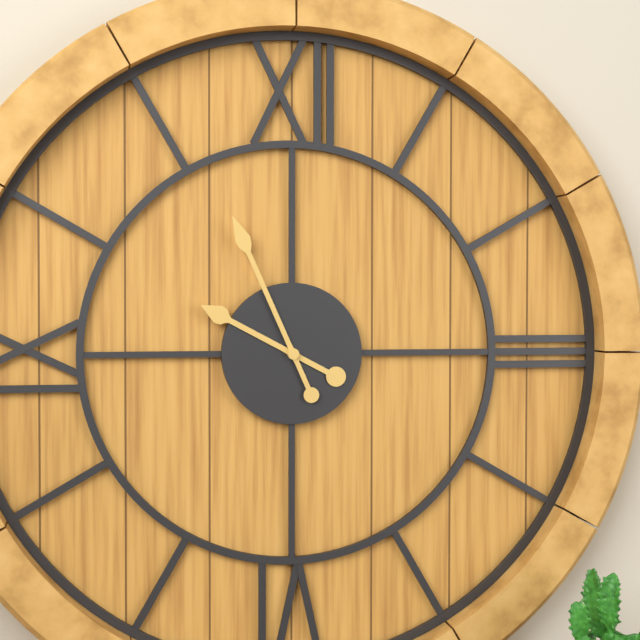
**9:56**
